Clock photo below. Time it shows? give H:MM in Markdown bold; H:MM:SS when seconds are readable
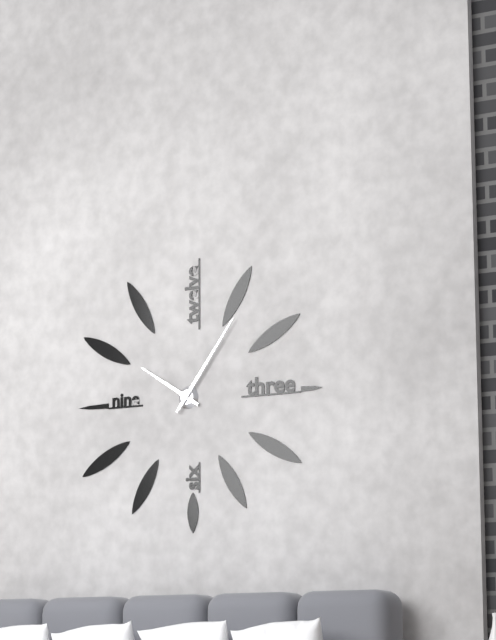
**10:06**
